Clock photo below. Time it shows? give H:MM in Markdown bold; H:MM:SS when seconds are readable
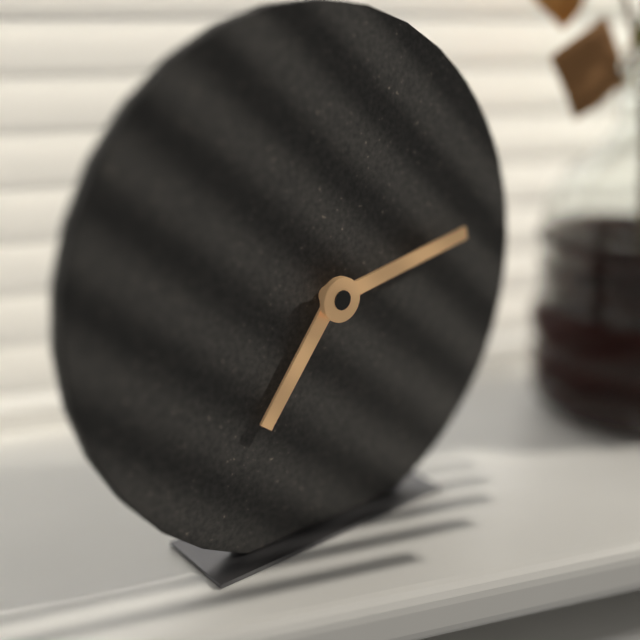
**7:13**
